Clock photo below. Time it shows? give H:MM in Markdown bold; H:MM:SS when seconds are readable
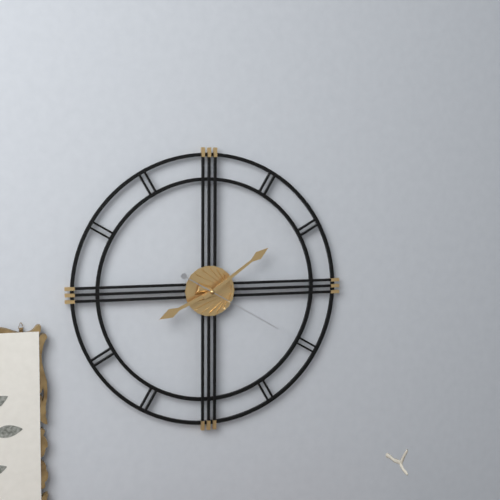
**8:09:20**
